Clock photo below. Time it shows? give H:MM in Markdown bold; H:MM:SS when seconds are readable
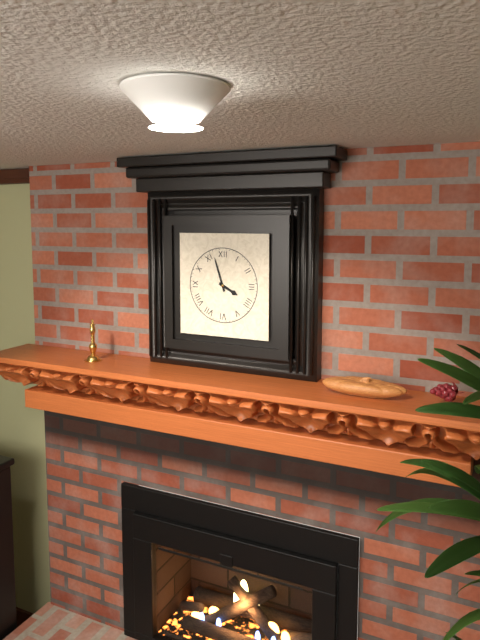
**3:57**
